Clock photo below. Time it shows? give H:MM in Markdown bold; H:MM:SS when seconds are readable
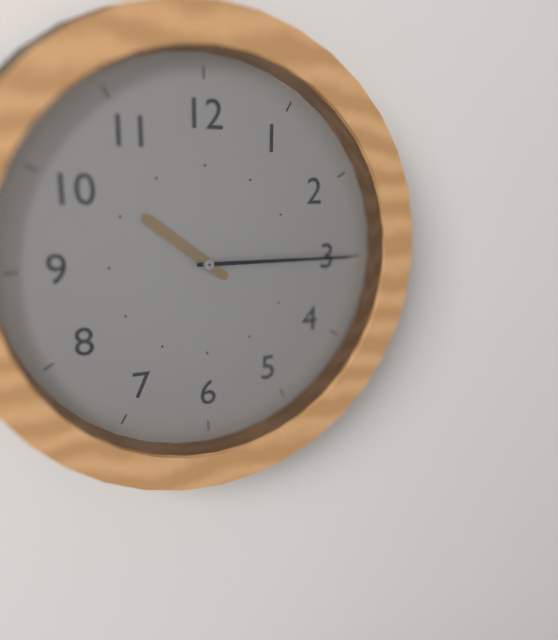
**10:15**
